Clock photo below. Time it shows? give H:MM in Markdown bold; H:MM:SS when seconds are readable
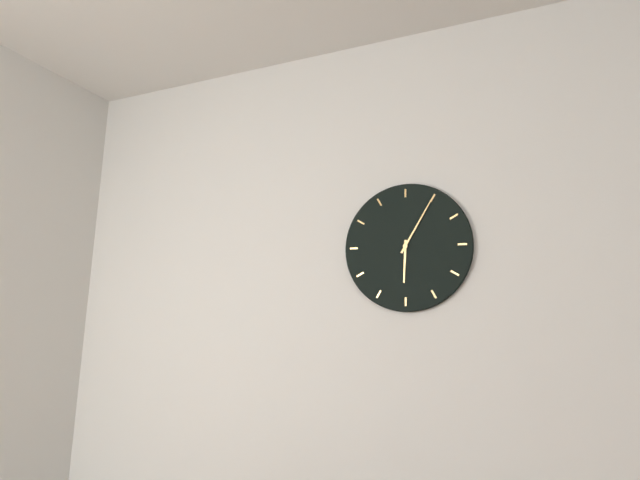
**6:05**
